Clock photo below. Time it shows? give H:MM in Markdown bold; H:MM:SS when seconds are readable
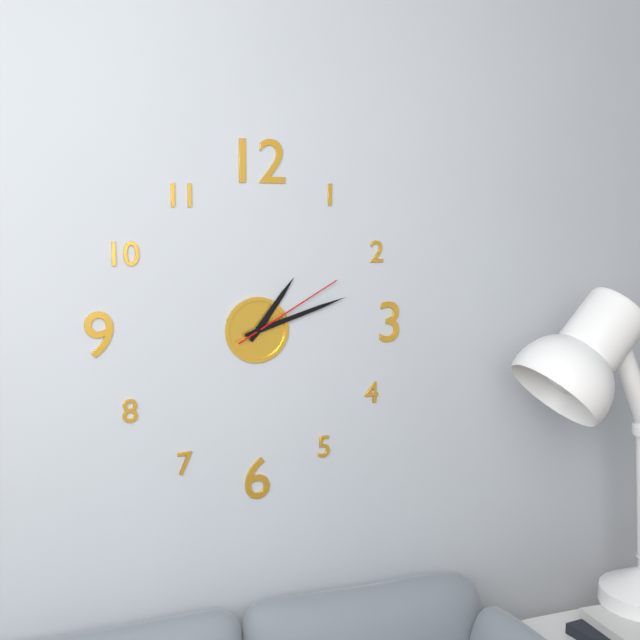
**1:12:10**
